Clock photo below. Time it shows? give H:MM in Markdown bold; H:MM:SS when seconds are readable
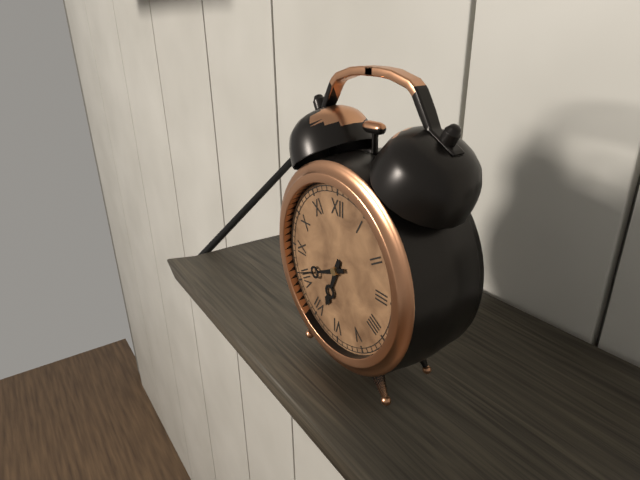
**6:41**
